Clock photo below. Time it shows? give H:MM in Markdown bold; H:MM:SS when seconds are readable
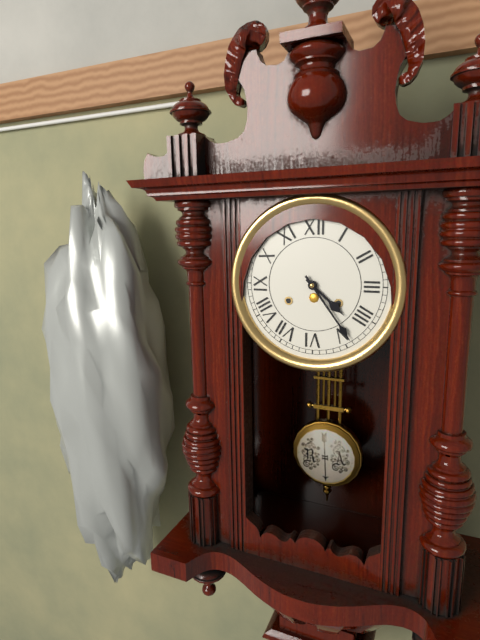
**4:24**
